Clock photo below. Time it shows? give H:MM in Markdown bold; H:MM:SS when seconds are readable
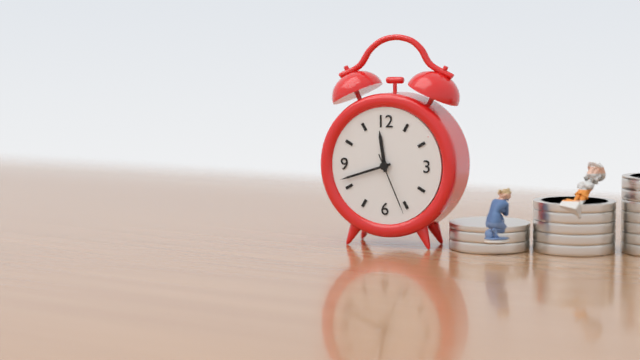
**11:42:26**
